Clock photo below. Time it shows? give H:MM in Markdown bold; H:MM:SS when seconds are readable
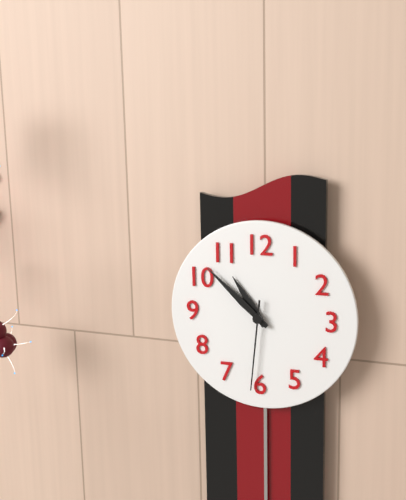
**10:52:31**
